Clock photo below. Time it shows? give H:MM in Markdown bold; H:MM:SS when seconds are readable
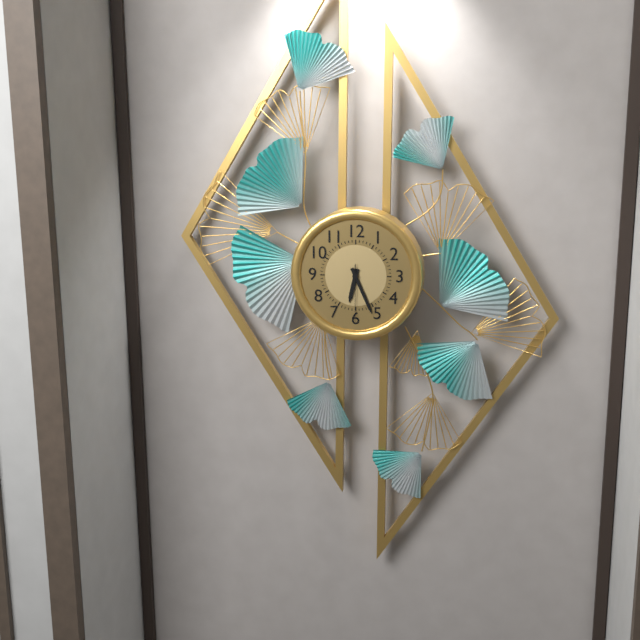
**6:26:30**
